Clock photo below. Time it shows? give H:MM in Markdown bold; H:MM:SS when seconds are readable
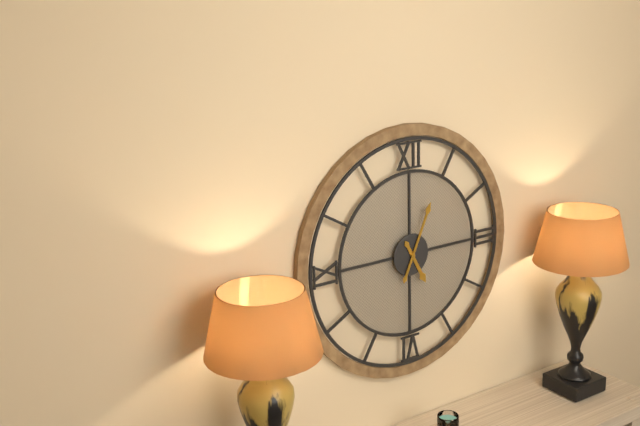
**5:04**
